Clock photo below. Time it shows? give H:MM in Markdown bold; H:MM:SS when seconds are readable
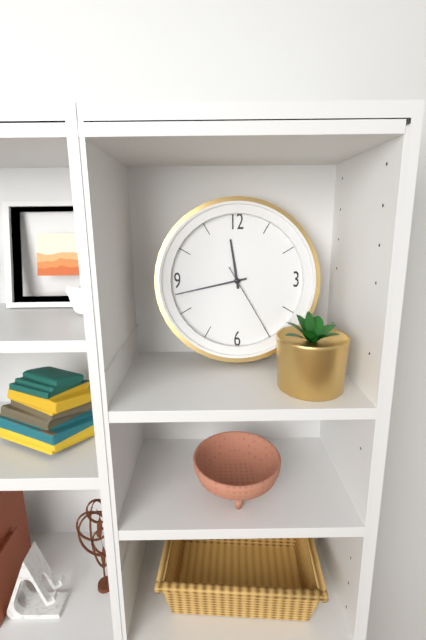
**11:43:25**
